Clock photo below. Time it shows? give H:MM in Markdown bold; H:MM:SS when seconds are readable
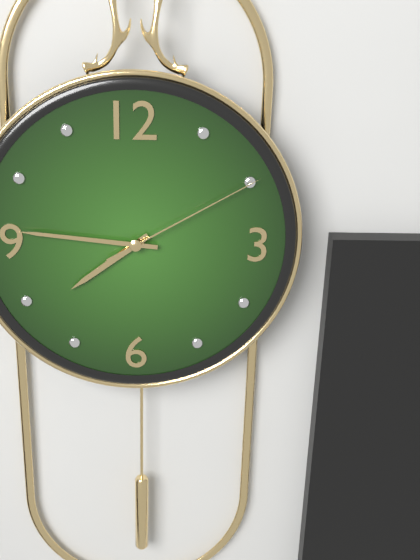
**7:46:10**
